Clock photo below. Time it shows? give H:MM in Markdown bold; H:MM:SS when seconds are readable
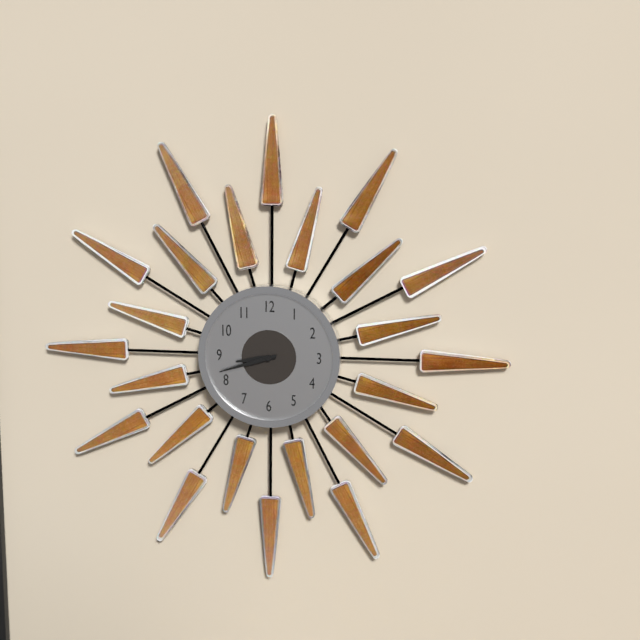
**8:42**
